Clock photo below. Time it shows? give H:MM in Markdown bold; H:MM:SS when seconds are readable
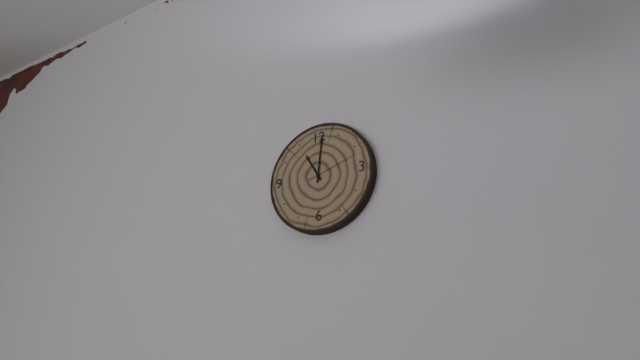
**11:01:12**
